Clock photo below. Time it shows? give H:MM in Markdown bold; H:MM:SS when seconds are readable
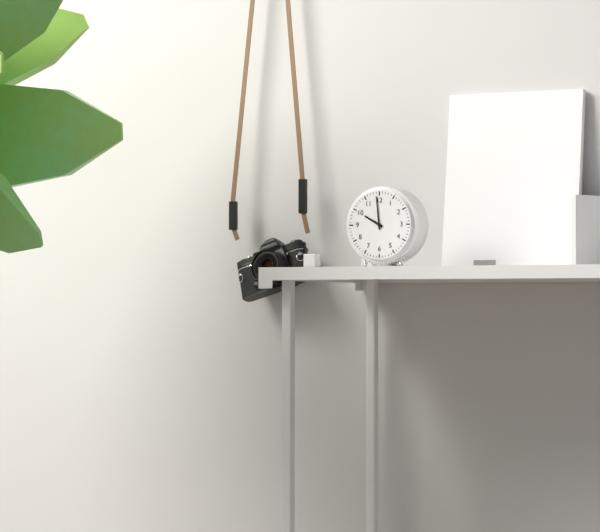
**9:59**
